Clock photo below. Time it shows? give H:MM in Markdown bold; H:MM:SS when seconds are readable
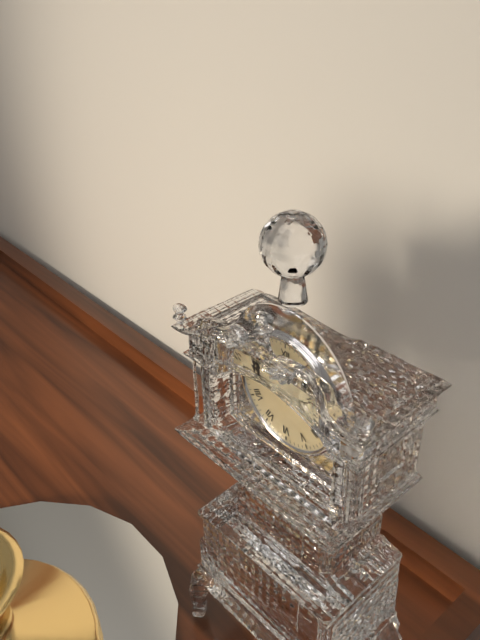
**1:54**
